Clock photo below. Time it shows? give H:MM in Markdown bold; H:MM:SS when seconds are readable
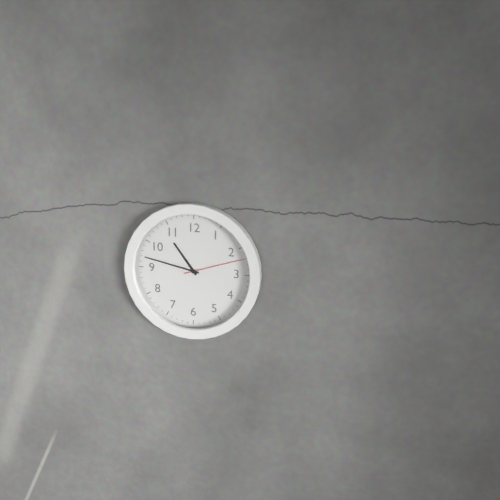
**10:47:12**
